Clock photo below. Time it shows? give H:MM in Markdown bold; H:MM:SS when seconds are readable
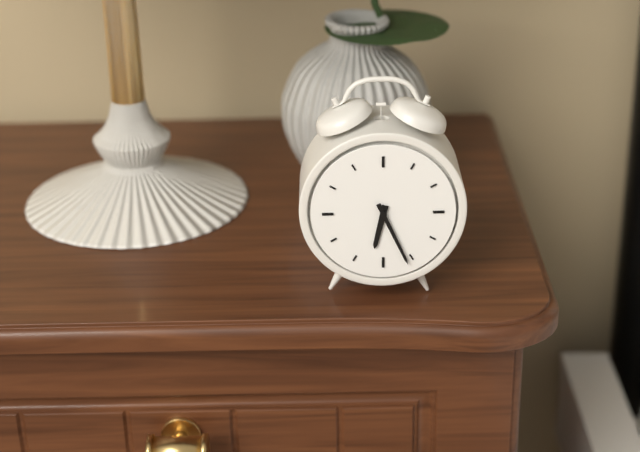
**6:26**
